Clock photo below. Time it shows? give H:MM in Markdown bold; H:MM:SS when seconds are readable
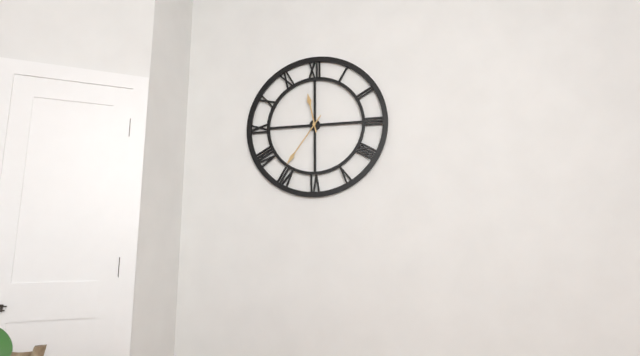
**11:36**
